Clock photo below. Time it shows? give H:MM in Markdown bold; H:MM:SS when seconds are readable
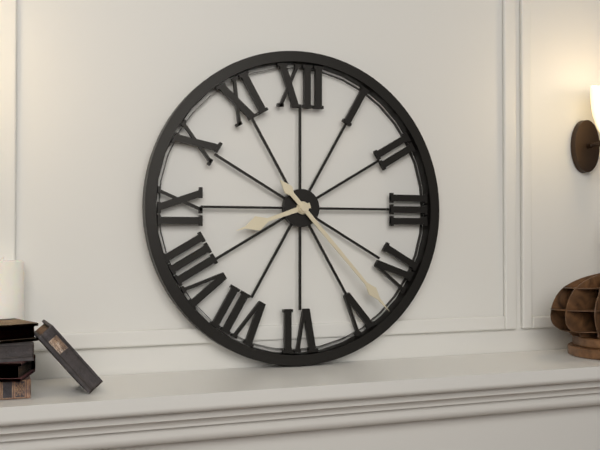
**8:23**
